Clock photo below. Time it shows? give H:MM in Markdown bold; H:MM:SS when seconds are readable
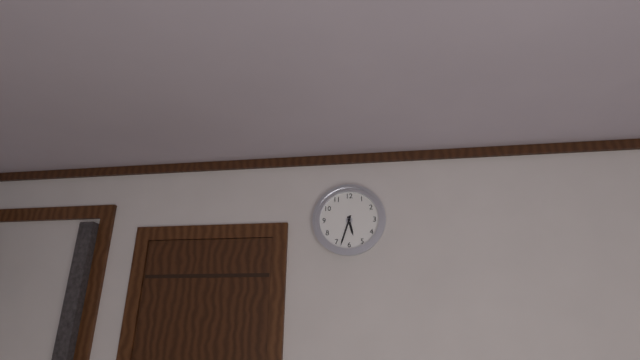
**5:33**
